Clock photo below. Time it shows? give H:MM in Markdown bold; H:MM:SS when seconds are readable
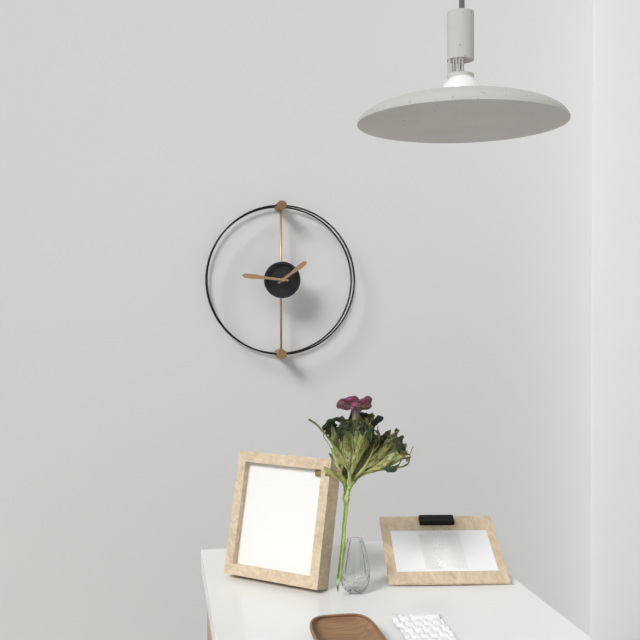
**1:46**
